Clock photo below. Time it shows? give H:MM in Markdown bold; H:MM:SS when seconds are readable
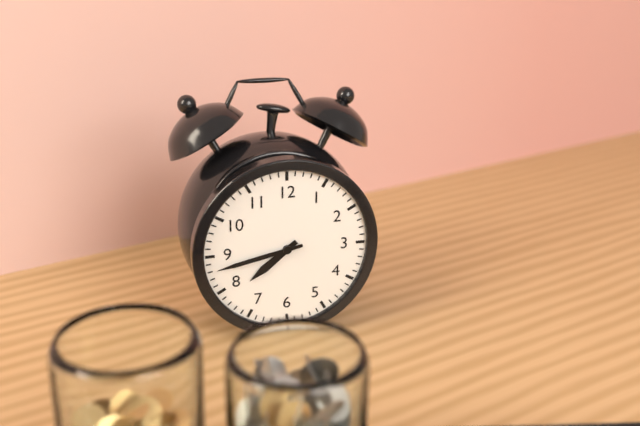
**7:43**
